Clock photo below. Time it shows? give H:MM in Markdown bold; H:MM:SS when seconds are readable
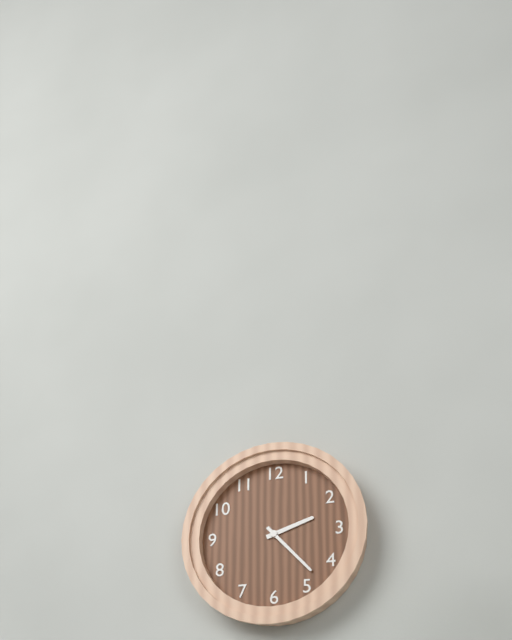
**2:23**
